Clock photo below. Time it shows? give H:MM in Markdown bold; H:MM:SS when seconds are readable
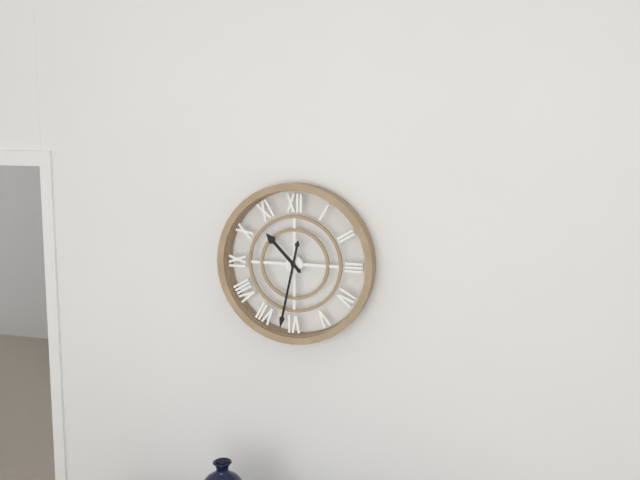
**10:32**
